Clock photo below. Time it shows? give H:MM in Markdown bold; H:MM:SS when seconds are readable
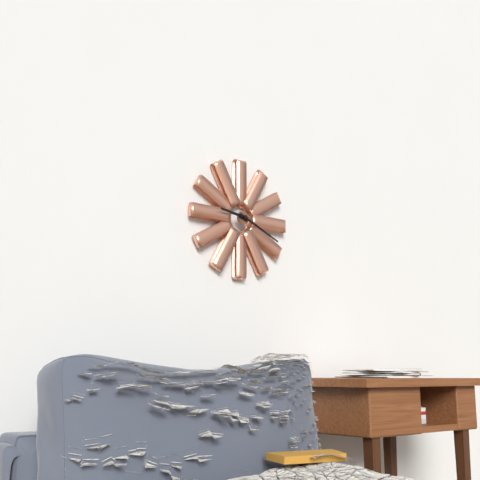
**9:19**
